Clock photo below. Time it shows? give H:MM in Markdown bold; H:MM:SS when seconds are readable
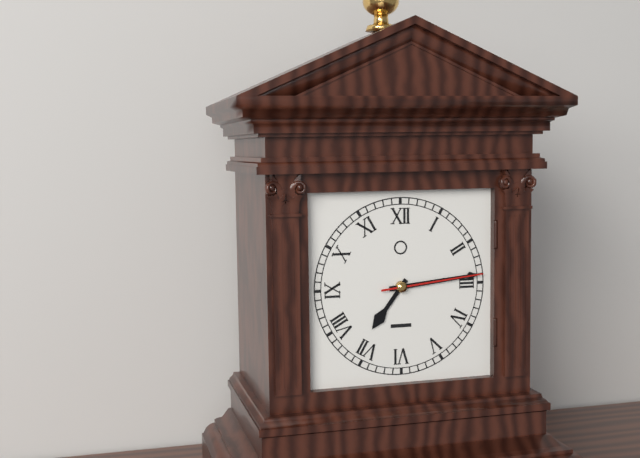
**7:14:14**
